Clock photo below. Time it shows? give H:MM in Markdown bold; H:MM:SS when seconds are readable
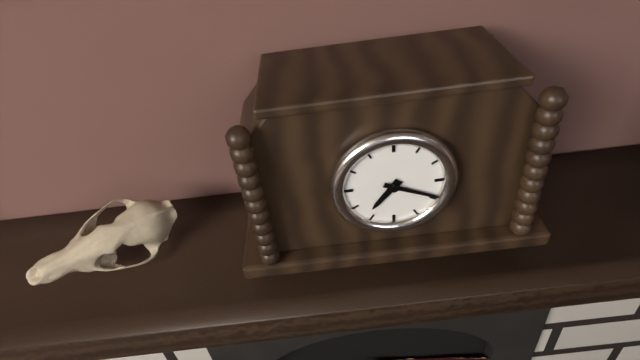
**7:19**
